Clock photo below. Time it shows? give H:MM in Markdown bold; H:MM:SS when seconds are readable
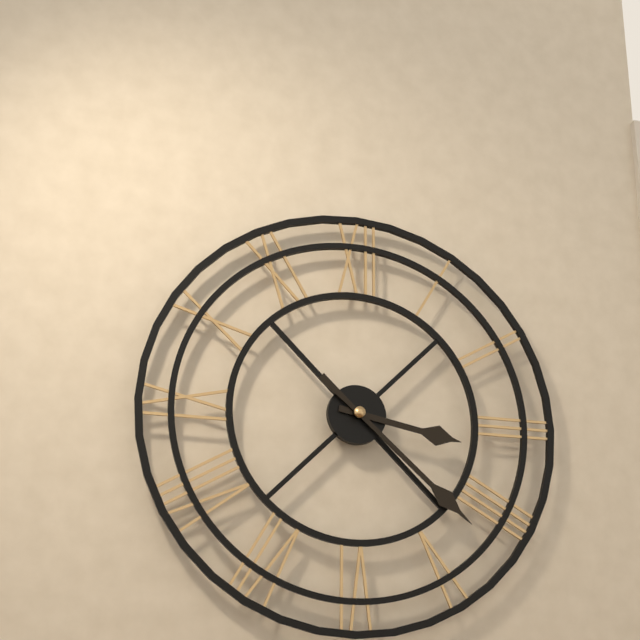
**3:22**
